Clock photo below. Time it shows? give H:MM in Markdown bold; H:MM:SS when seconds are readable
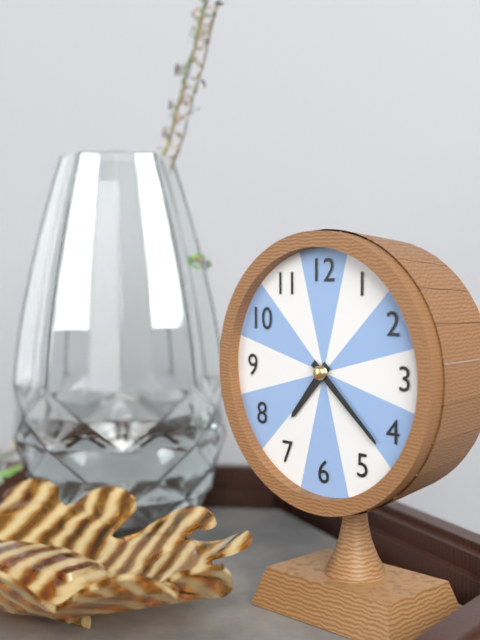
**7:22**
